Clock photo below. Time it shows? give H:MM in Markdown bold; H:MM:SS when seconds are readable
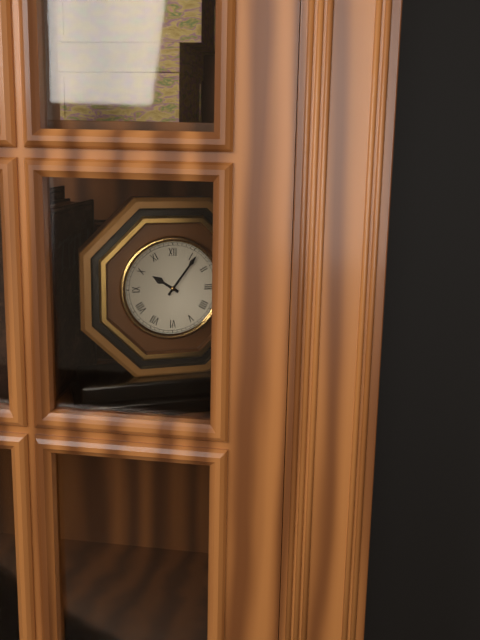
**10:06**
